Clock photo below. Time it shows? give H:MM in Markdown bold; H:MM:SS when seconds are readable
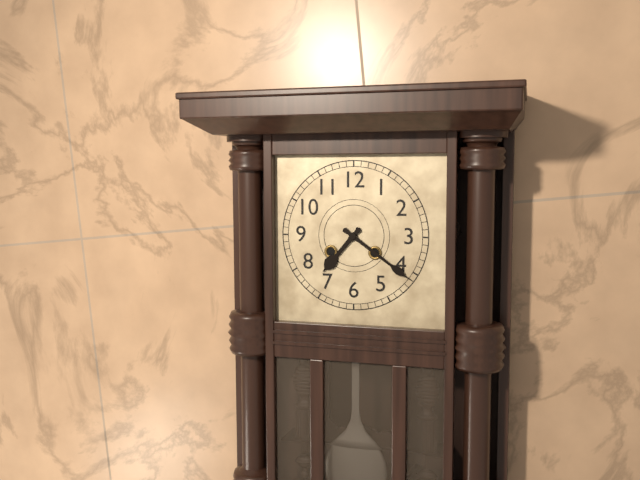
**7:21**
